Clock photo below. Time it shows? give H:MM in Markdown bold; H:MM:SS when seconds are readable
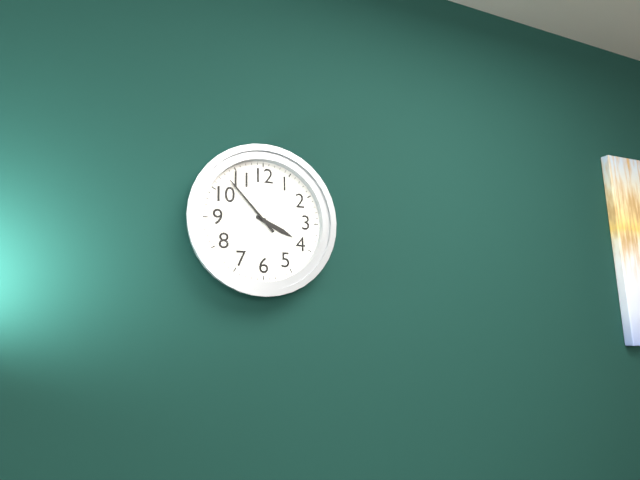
**3:53**
